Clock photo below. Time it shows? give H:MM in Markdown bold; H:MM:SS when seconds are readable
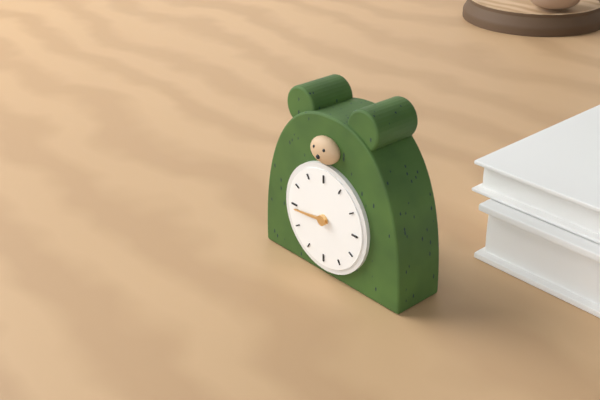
**8:44**
